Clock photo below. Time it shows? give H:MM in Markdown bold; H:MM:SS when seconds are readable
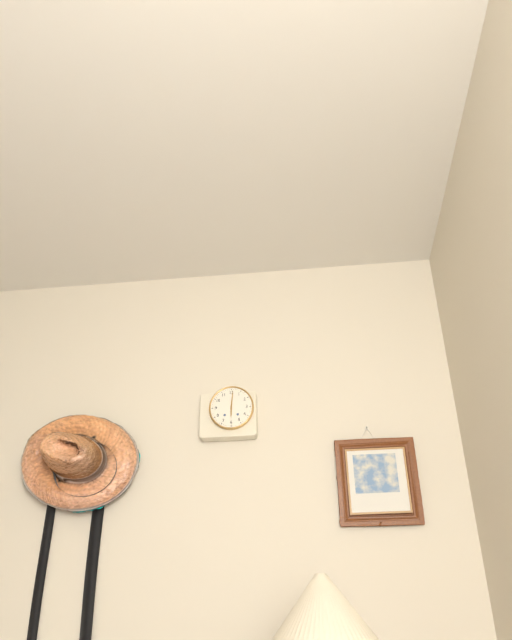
**6:01**
